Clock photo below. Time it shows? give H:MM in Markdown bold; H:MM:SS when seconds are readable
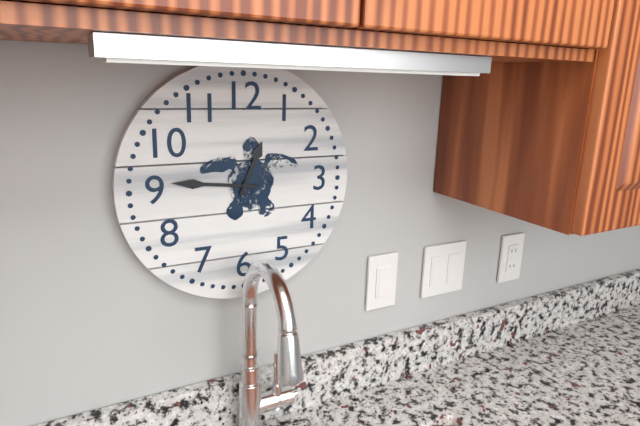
**12:46**
